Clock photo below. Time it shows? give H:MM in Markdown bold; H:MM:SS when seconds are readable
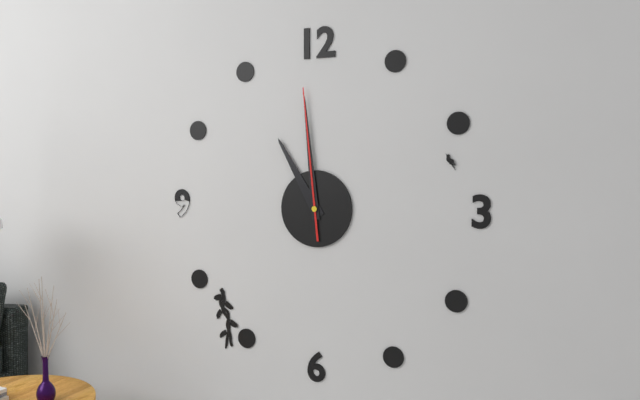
**10:59:59**
